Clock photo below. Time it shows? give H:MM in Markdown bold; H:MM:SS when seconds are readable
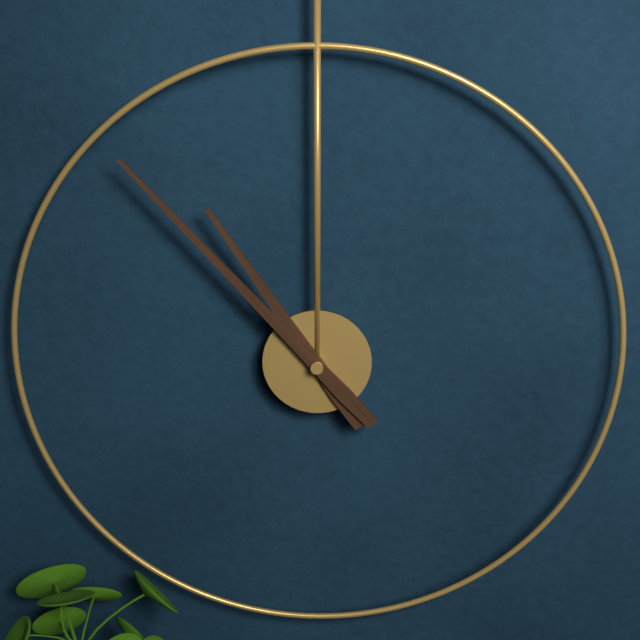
**10:53**
